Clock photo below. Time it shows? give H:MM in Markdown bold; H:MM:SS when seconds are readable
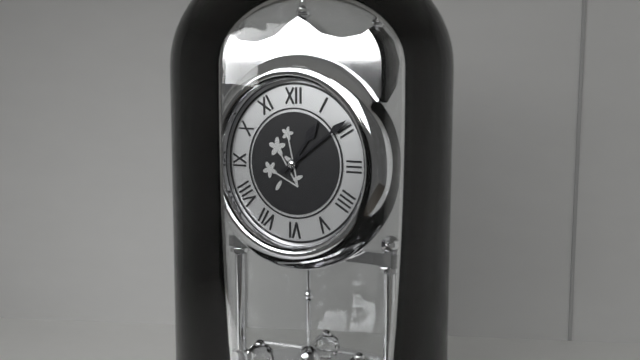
**1:09**
